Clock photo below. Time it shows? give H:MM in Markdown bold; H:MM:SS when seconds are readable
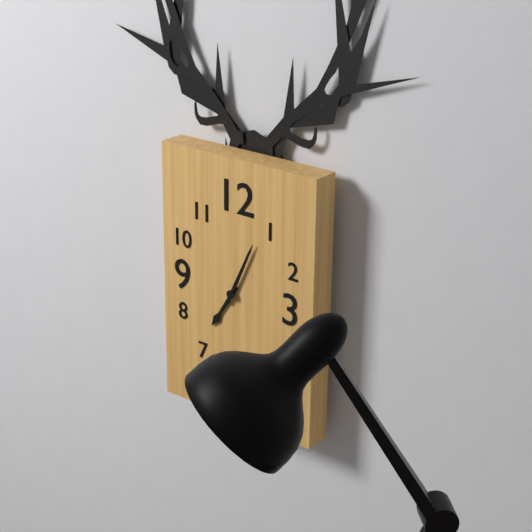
**7:04**
